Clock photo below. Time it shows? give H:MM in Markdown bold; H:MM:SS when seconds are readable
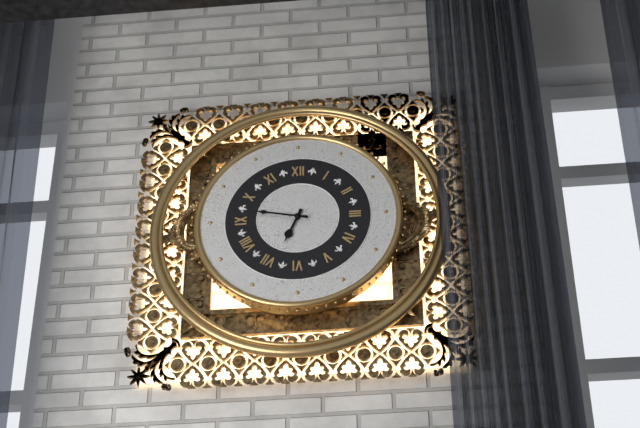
**6:47**
